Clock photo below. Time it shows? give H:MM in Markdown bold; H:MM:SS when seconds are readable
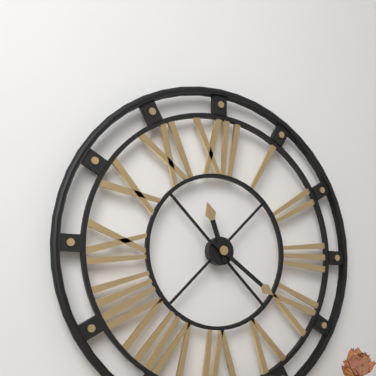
**11:21**
